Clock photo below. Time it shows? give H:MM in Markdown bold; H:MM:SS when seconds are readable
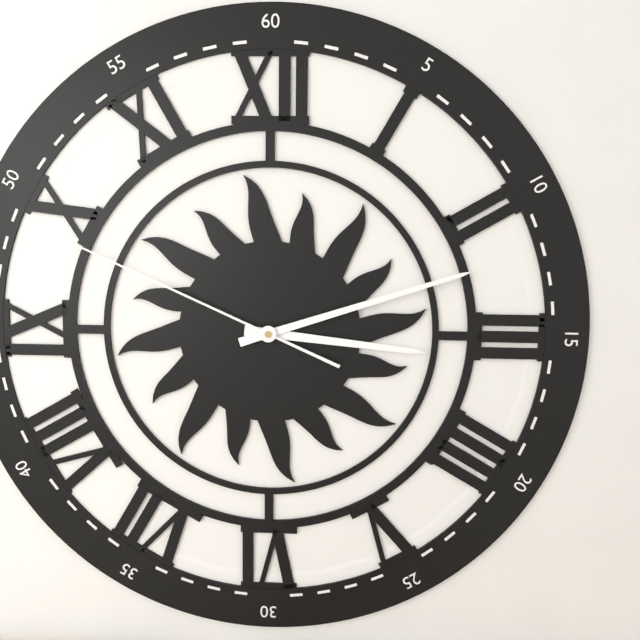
**3:12:49**
